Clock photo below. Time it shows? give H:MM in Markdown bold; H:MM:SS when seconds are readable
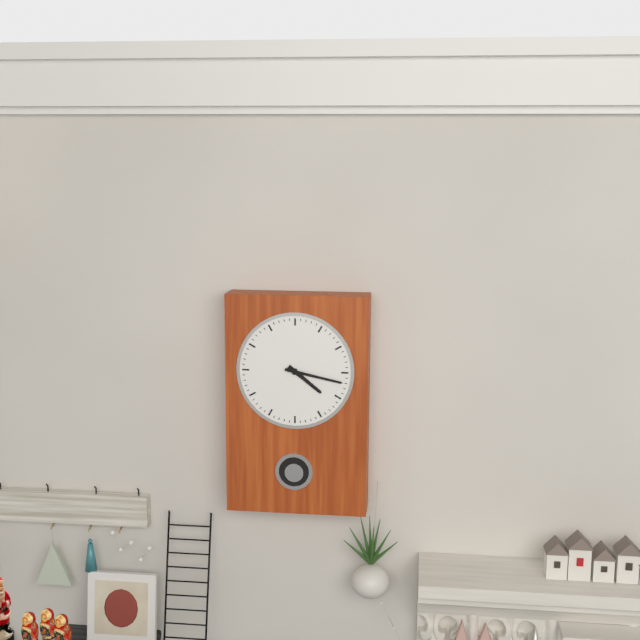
**4:17**
